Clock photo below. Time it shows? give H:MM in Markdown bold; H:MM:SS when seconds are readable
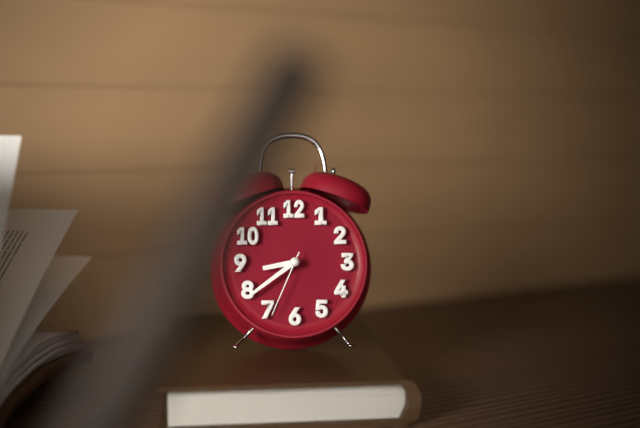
**8:39:34**
